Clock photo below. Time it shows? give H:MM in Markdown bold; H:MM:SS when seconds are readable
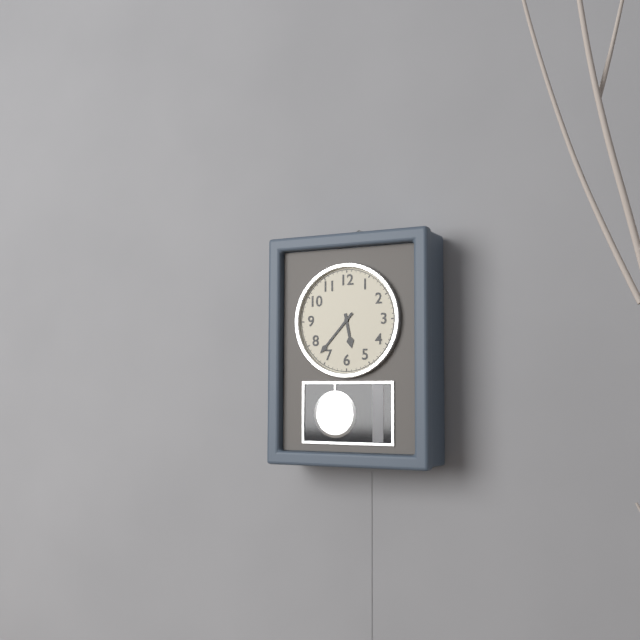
**5:37**
